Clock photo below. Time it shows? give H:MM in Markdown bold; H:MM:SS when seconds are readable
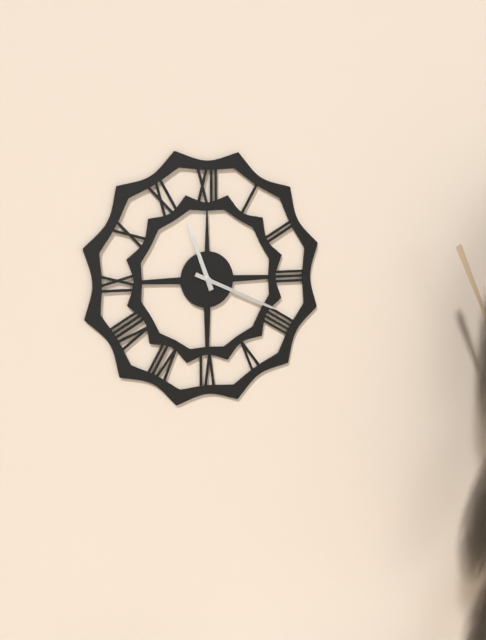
**11:19**
